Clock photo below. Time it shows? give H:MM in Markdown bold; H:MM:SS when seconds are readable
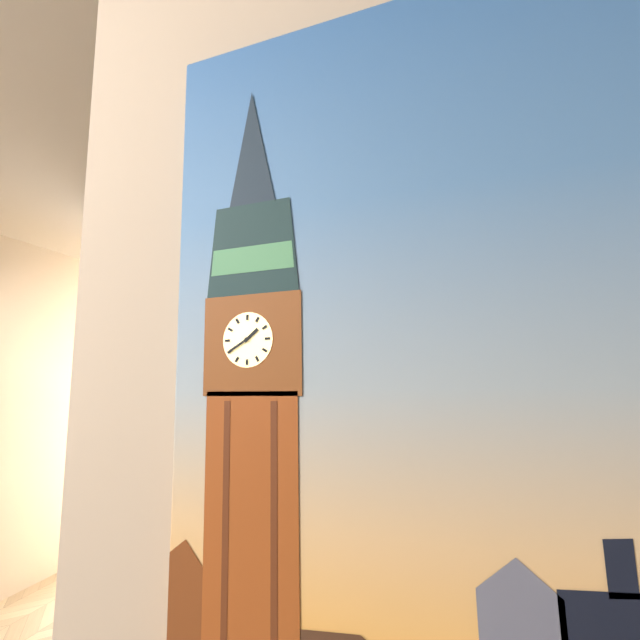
**1:40**
